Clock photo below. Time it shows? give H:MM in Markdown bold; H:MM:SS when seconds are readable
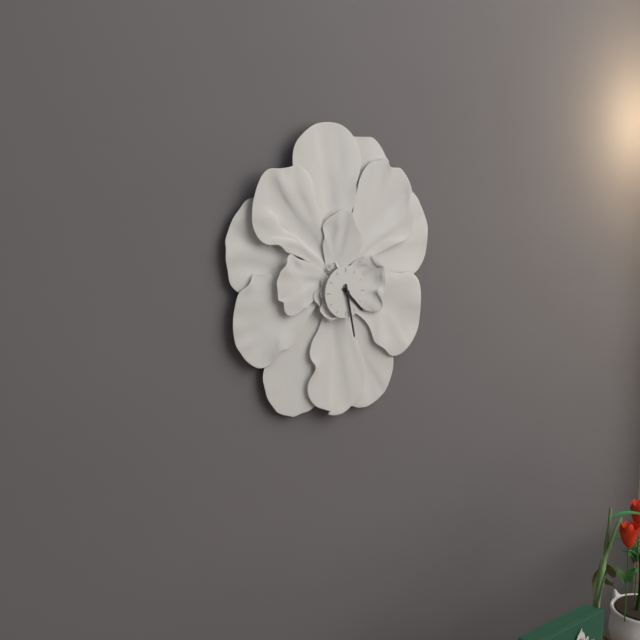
**4:28**
